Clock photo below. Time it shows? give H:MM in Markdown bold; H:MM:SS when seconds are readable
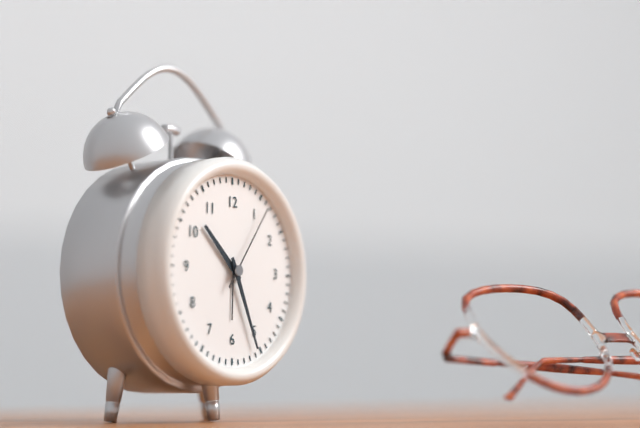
**10:26:06**
